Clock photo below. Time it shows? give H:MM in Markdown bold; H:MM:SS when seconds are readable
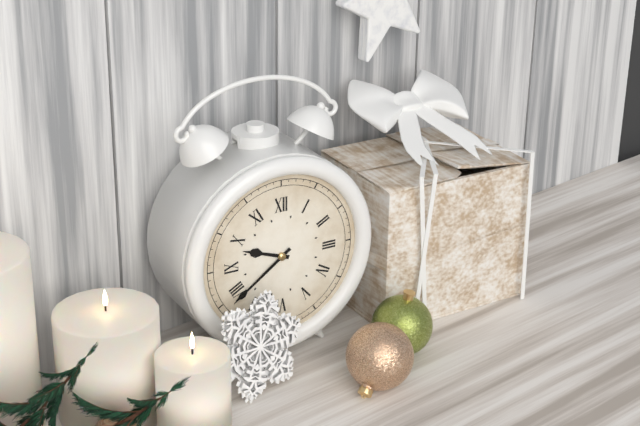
**9:39**
